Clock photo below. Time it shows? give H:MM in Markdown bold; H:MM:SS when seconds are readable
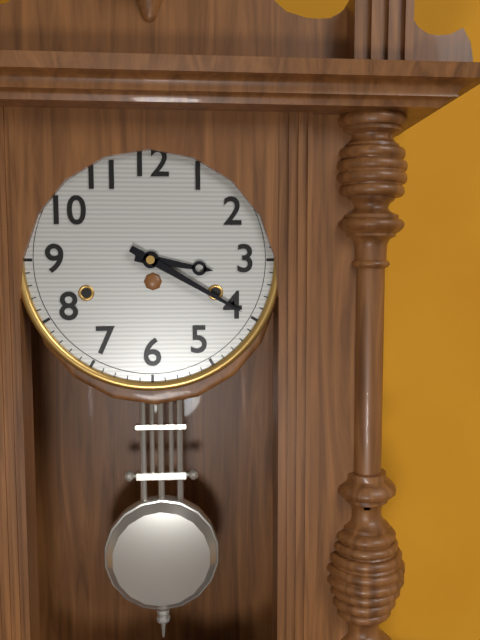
**3:20**
